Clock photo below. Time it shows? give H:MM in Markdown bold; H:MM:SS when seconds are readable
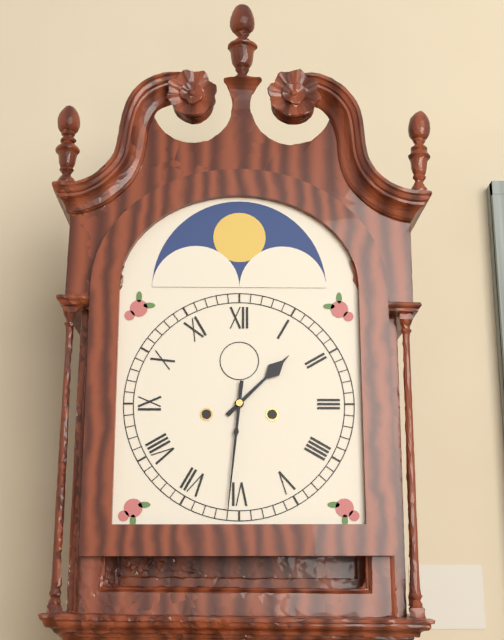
**1:31**
